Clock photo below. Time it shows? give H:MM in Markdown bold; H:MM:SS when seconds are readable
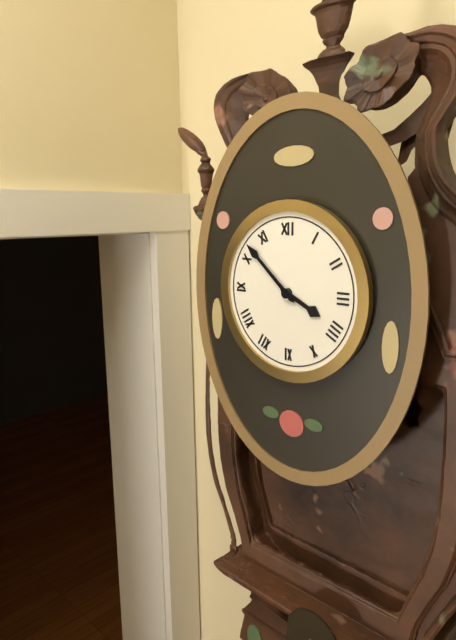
**3:52**
